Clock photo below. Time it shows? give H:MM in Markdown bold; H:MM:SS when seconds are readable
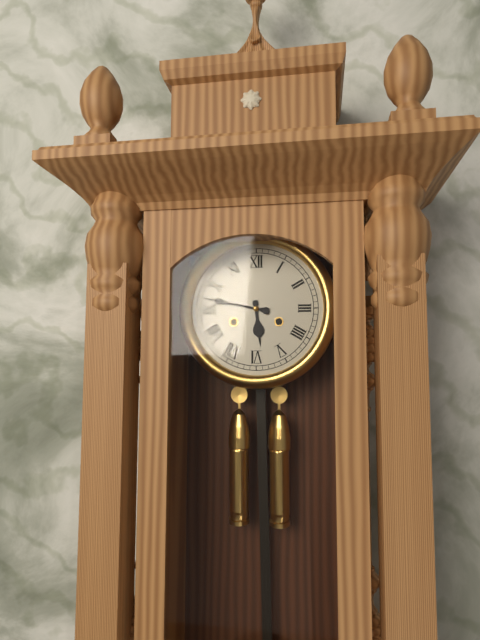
**5:47**
